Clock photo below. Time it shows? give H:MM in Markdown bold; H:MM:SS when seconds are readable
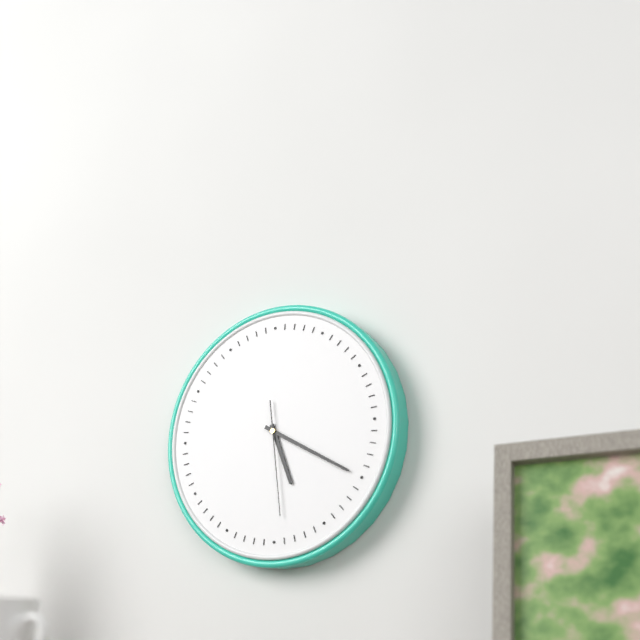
**5:20:29**
